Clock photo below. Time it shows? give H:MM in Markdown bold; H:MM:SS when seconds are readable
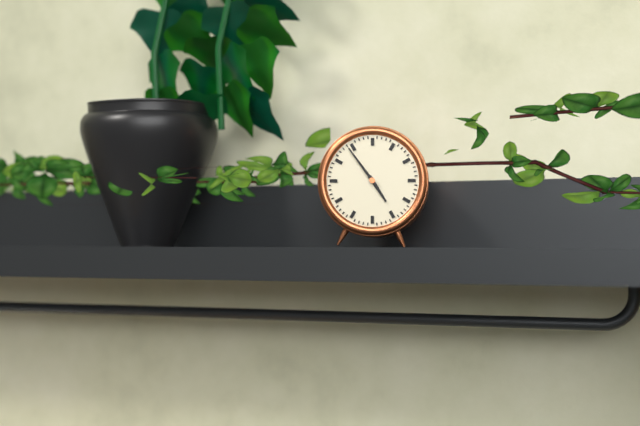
**4:54**
